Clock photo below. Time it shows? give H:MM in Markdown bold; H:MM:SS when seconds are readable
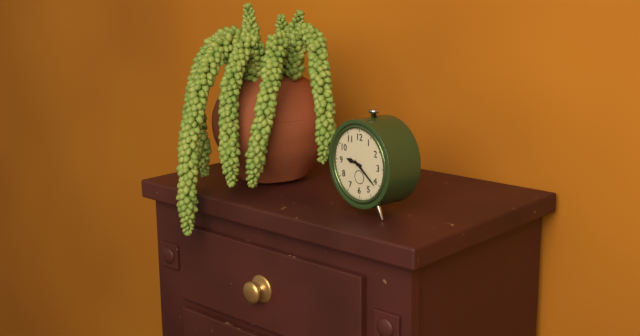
**9:21**
